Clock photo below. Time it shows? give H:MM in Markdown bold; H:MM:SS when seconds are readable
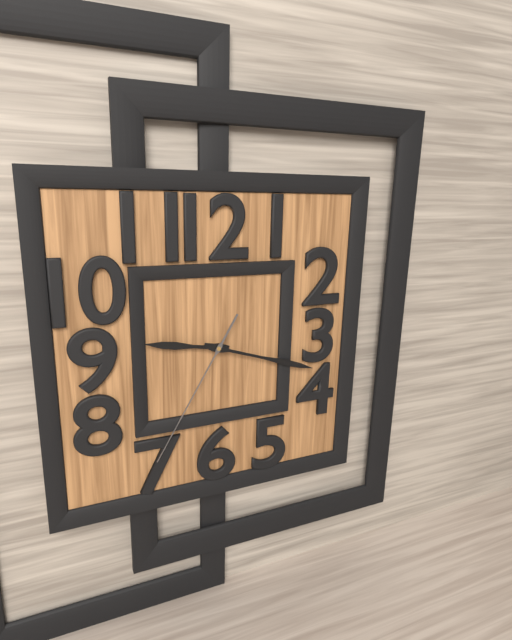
**9:18:35**
